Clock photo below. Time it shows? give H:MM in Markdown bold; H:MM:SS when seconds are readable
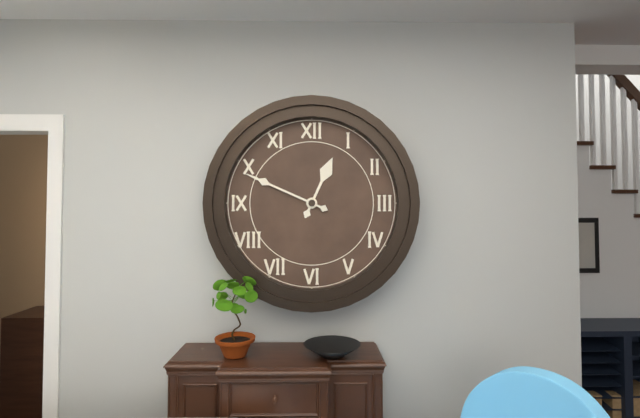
**12:49**
